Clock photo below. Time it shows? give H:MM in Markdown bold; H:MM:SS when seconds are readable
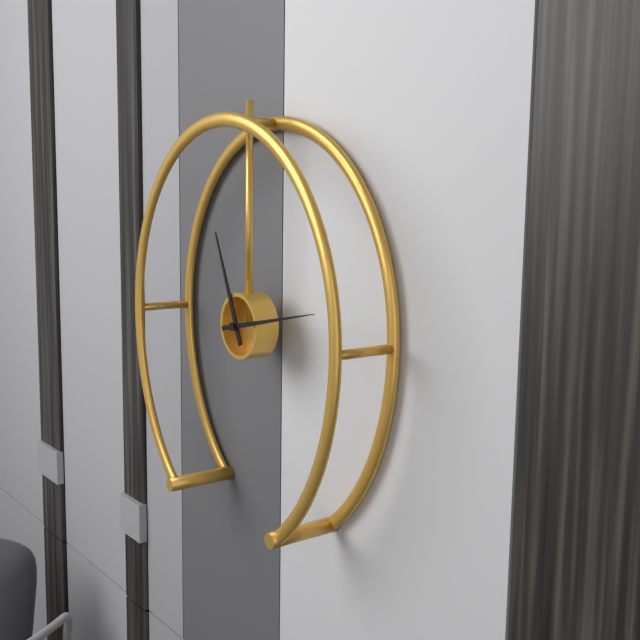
**11:13**
